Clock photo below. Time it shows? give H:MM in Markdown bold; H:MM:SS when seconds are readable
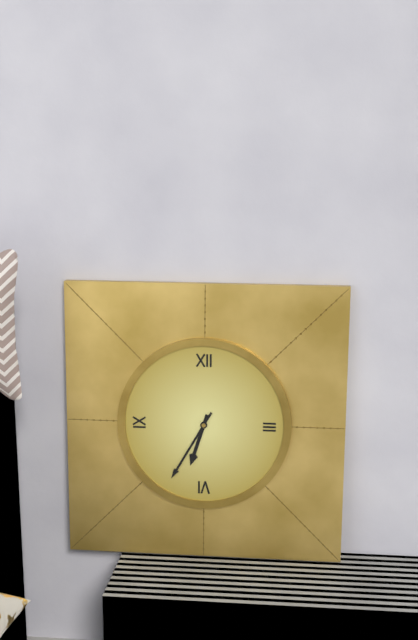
**6:35**
